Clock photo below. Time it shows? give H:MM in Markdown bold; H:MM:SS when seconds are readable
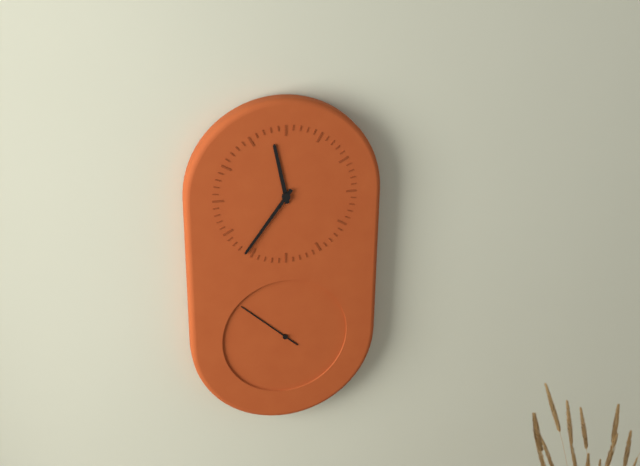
**11:36:52**
